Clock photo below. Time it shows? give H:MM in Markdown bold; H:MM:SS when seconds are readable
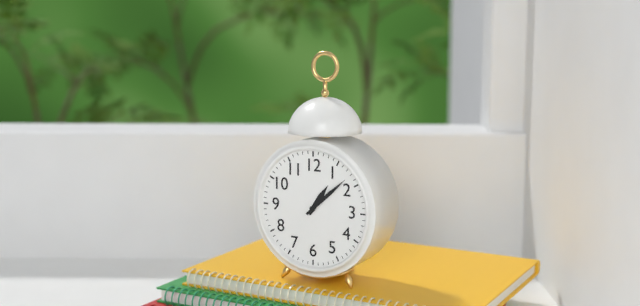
**1:08**
